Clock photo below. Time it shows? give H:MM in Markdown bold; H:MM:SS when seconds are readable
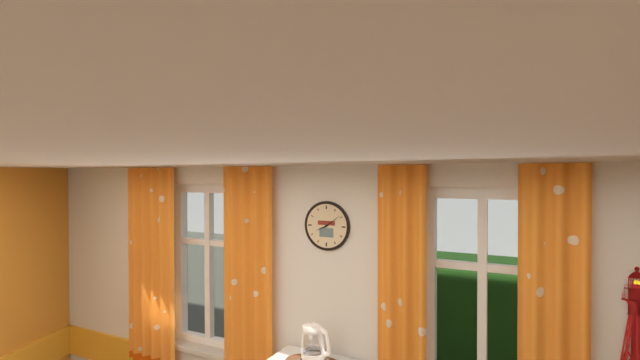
**8:09**
